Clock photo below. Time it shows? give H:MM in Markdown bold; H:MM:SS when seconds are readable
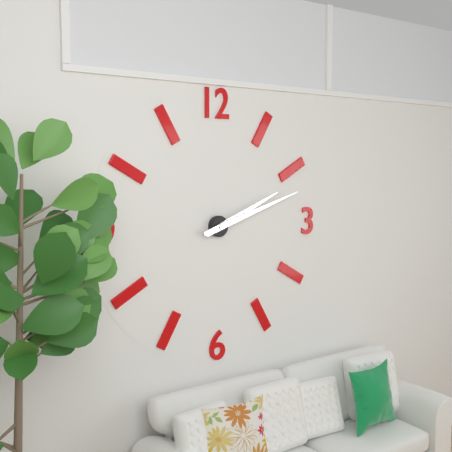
**2:12**
